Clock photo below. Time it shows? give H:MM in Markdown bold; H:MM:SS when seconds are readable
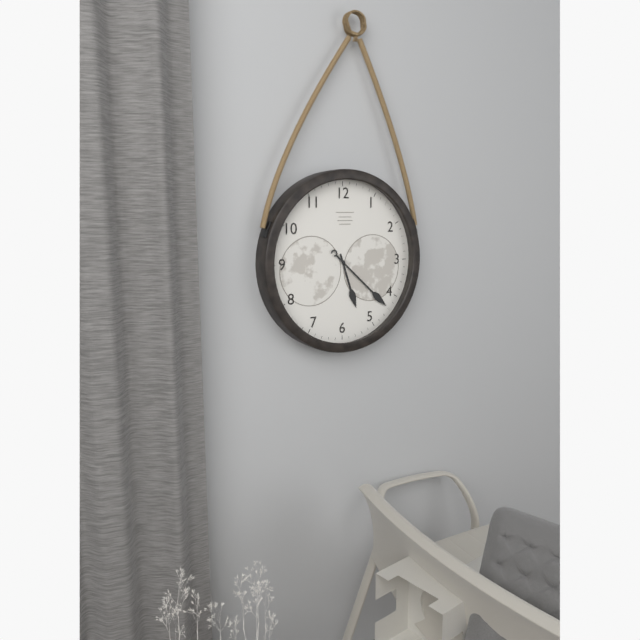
**5:22**
